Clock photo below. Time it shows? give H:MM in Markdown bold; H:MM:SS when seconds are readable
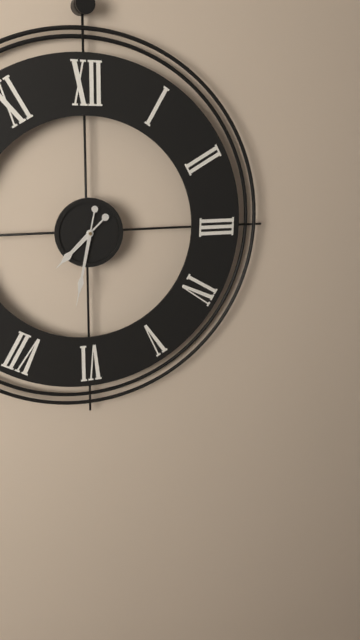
**7:32**
